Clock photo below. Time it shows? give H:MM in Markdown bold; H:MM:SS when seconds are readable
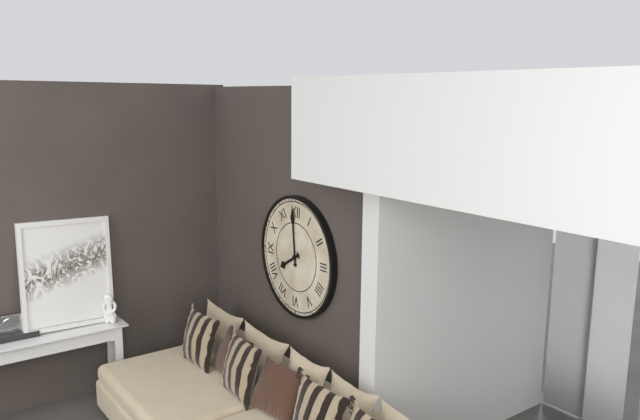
**7:59**
